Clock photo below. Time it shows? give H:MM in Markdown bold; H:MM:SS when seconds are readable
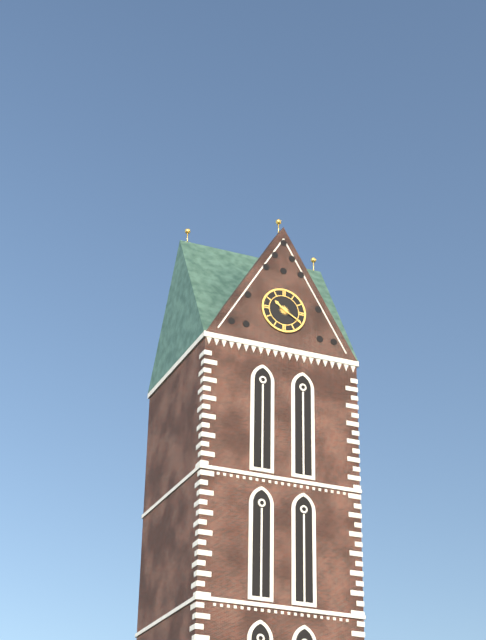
**10:20**
